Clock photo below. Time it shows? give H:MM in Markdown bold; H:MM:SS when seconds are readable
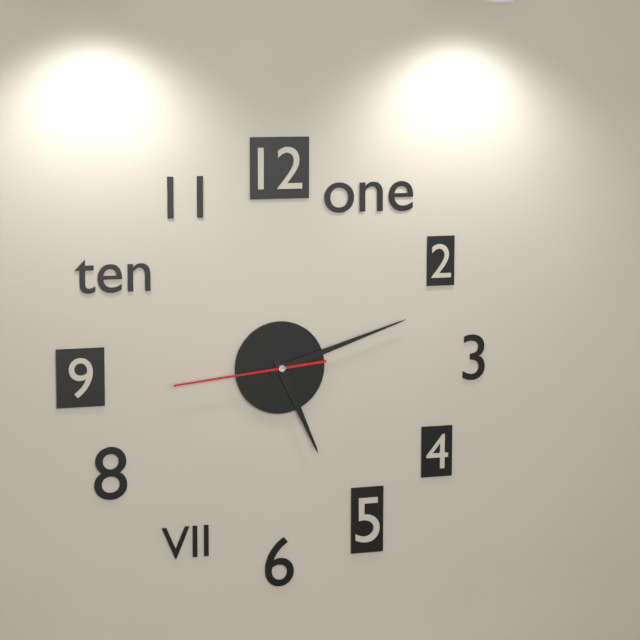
**5:12:44**
